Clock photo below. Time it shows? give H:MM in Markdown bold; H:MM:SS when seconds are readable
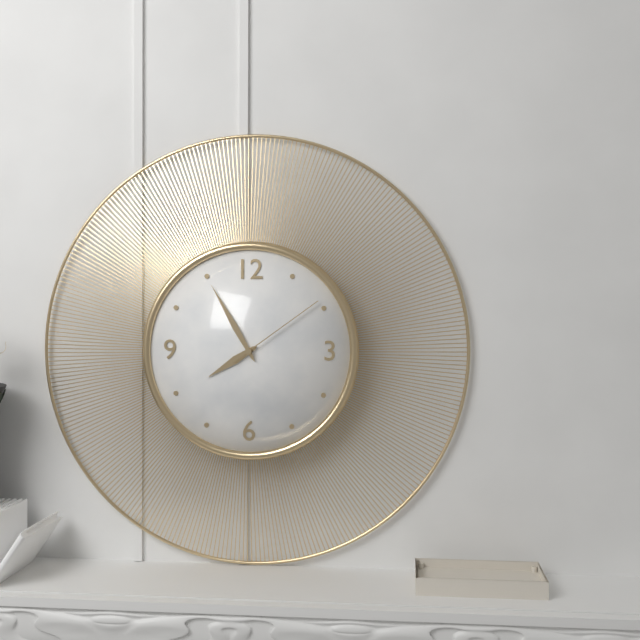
**7:55:09**
